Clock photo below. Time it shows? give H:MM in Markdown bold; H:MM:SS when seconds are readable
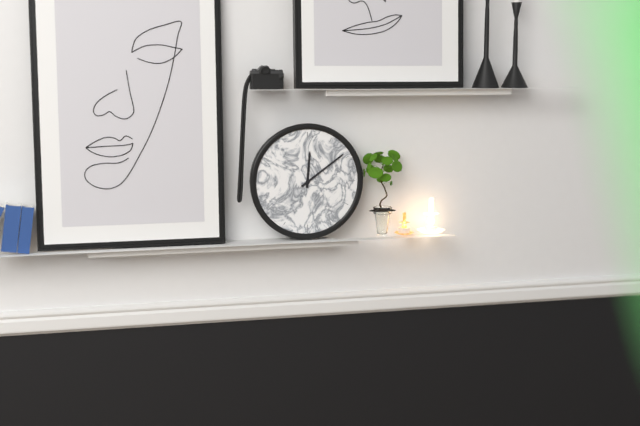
**12:09**
